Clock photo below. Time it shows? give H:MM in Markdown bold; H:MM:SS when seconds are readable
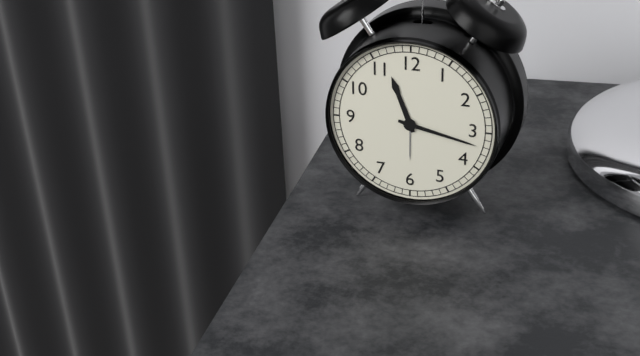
**11:17**
